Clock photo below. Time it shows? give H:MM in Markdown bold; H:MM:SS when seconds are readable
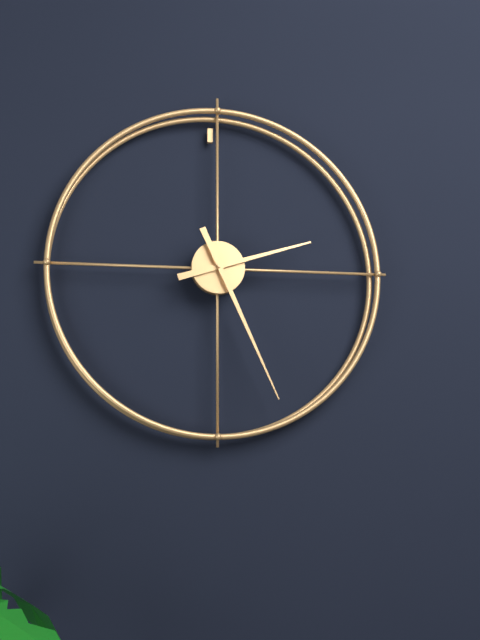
**2:26**
